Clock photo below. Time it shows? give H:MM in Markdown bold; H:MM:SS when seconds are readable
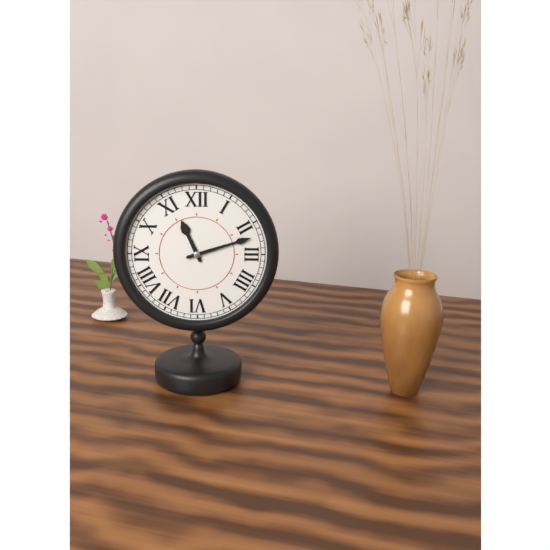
**11:12**
